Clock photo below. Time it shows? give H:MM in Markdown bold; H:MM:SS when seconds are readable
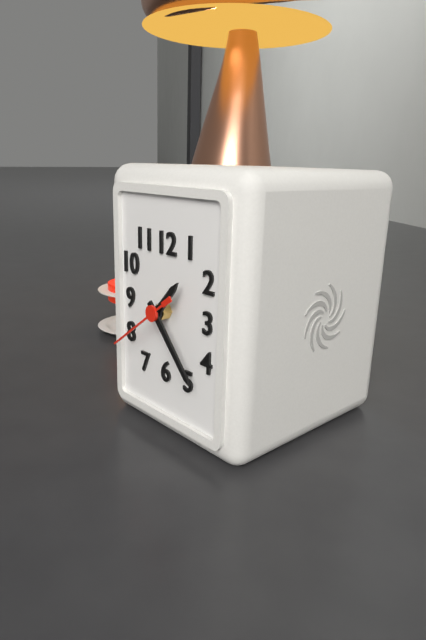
**1:23:39**
